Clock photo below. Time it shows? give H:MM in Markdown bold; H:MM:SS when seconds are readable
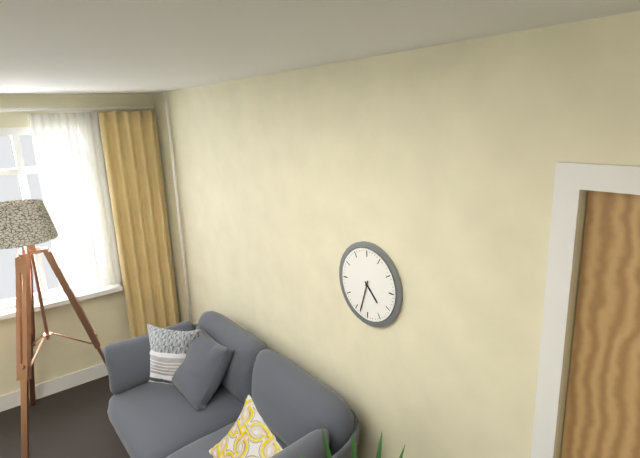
**4:33**
